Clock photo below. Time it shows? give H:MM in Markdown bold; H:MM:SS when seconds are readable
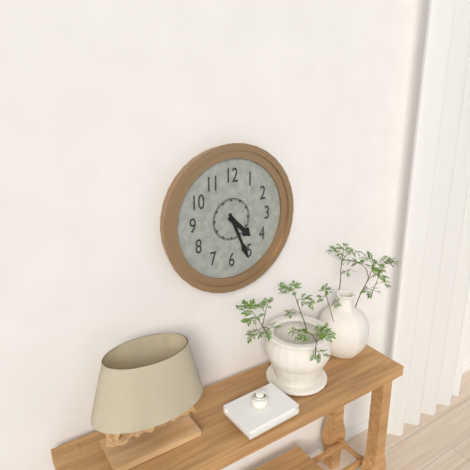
**4:26**
